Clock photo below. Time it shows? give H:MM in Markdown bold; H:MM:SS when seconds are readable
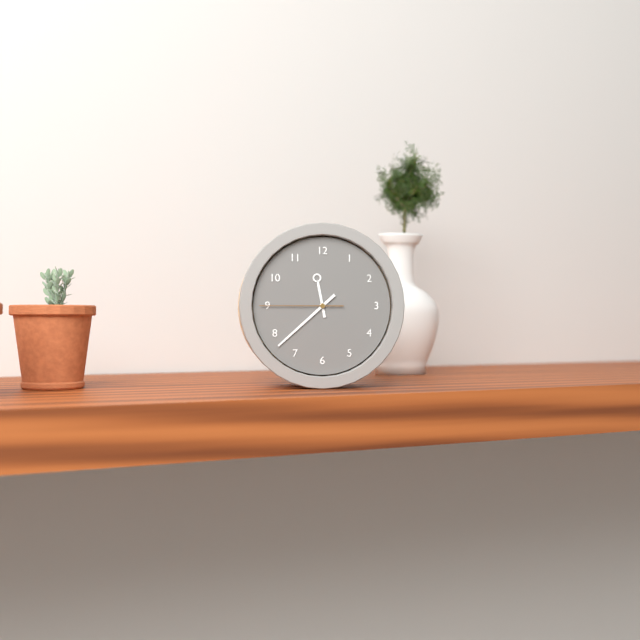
**11:38:45**
